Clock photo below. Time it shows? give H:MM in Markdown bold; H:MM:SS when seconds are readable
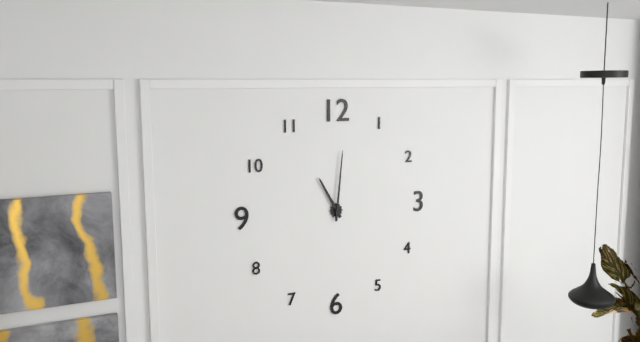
**11:01**
